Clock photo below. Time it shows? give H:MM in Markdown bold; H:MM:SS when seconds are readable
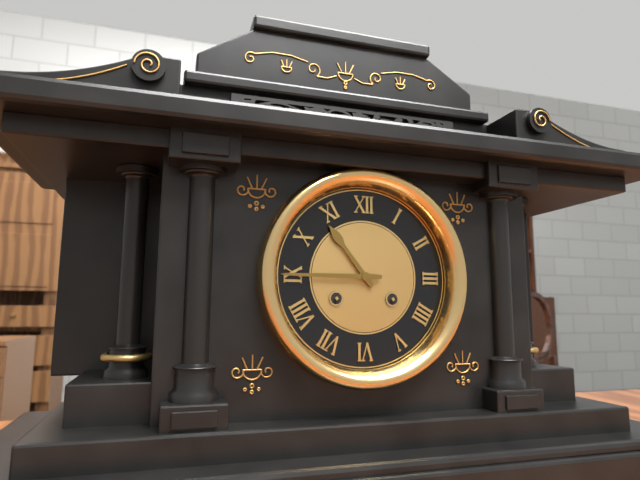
**10:45**
